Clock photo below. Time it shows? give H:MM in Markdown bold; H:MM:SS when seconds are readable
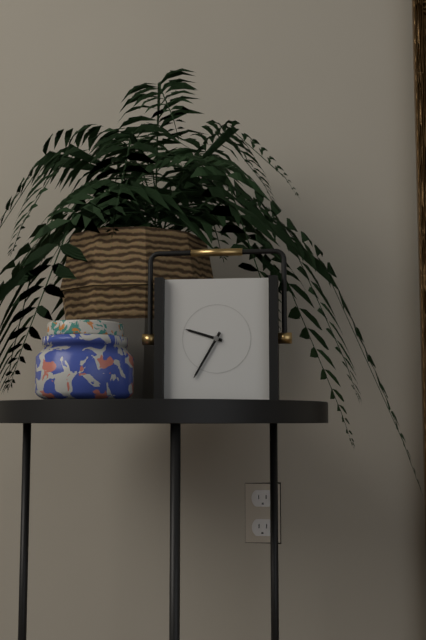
**9:35**
